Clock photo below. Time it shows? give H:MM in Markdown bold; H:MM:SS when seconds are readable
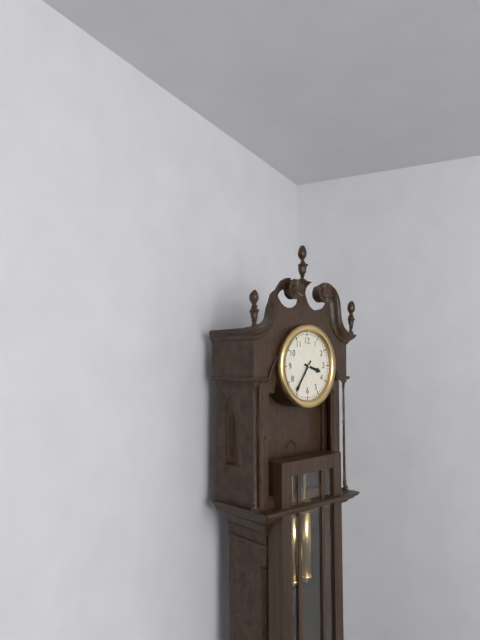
**3:36**
